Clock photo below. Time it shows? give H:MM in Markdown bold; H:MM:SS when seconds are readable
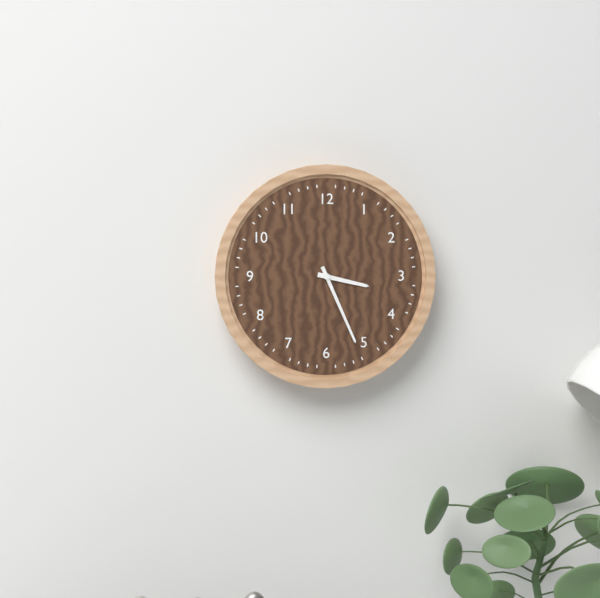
**3:26**
